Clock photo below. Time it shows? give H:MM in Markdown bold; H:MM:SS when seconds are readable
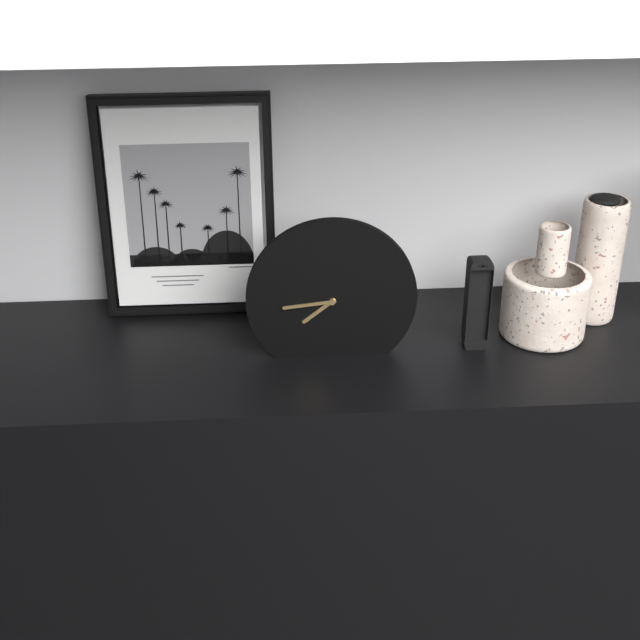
**7:44**
